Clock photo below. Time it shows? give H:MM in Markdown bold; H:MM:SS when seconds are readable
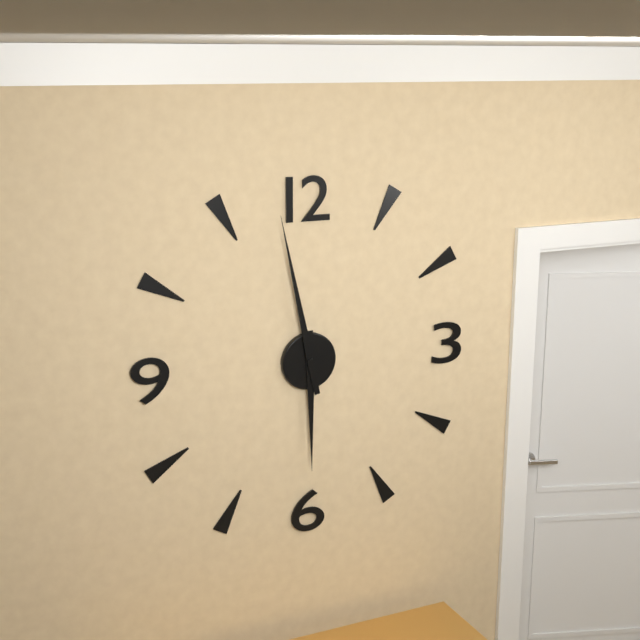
**5:58**
